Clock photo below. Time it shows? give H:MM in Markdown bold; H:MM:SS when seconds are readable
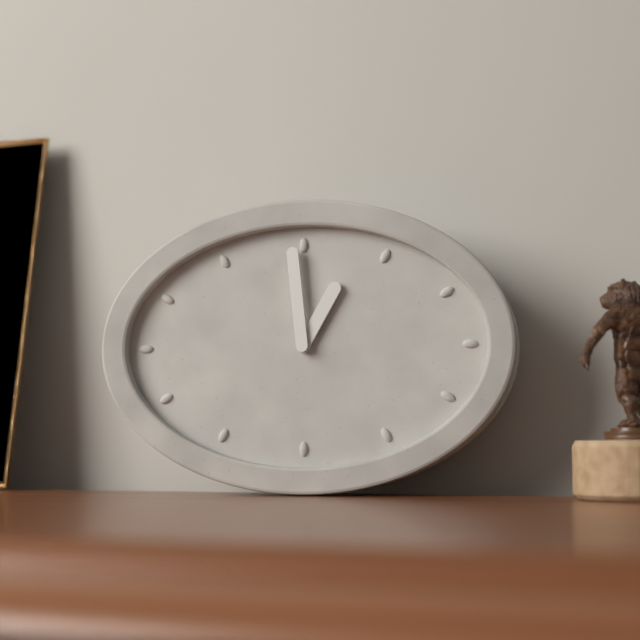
**12:59**
